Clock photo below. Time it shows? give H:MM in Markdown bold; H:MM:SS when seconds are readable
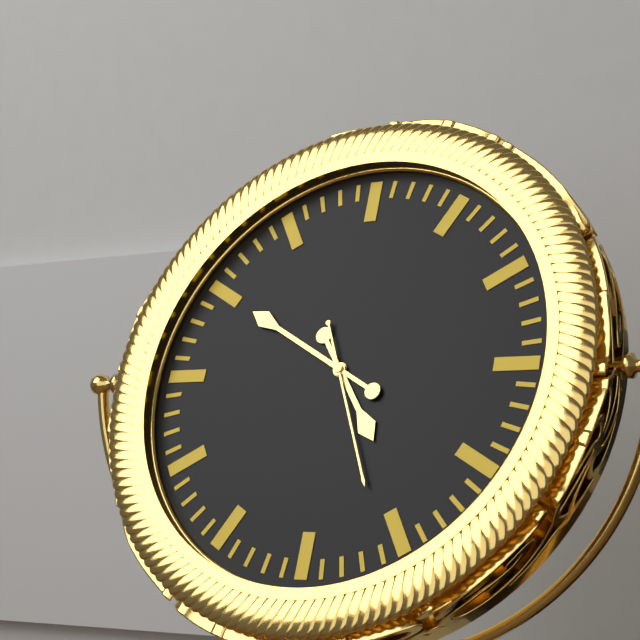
**4:50:26**
